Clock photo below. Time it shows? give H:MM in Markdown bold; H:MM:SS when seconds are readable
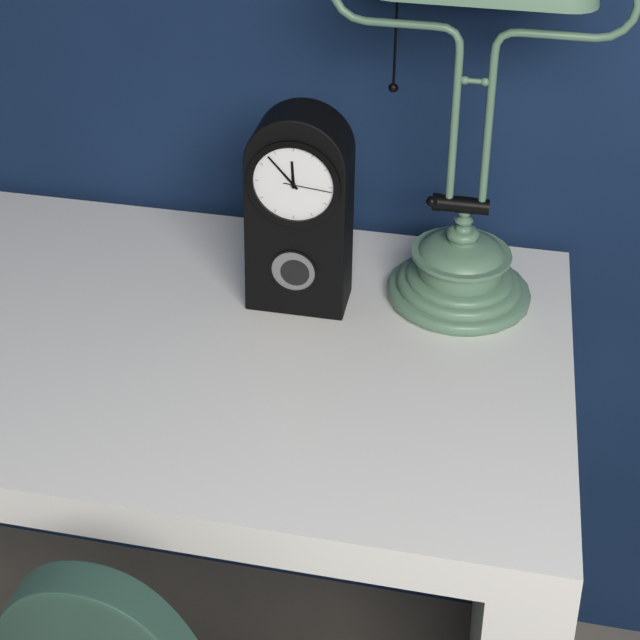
**11:53**
